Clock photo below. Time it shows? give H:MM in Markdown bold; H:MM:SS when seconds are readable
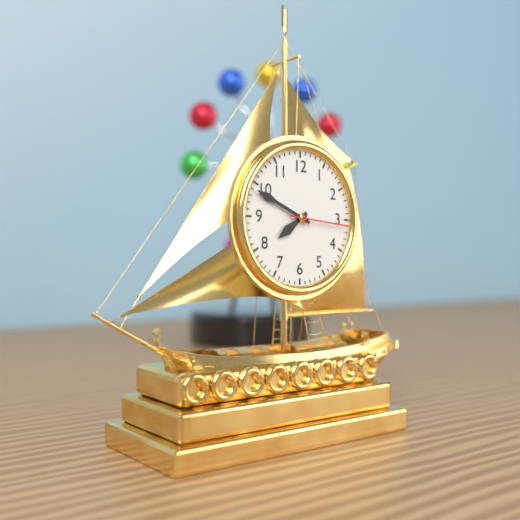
**7:49:16**
